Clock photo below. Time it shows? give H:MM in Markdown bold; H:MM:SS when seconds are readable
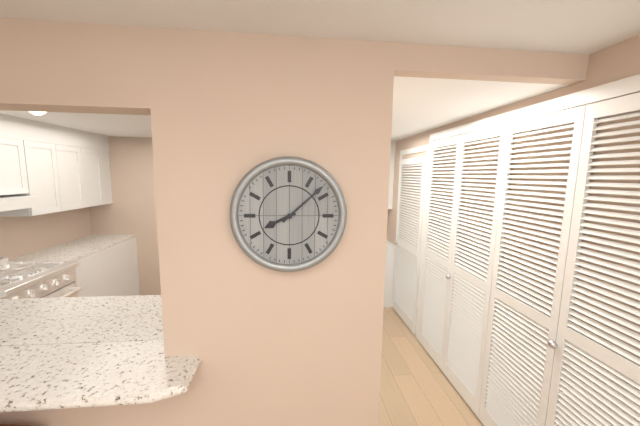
**8:08**
